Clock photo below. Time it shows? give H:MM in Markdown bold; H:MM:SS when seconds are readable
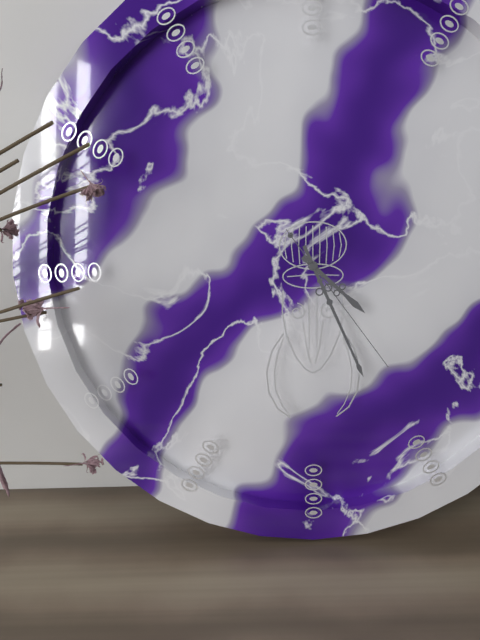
**4:26:24**
